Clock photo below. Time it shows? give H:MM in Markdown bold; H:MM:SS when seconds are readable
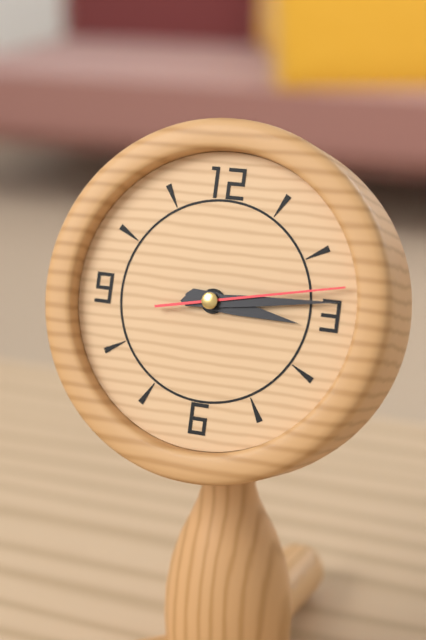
**3:14:13**
